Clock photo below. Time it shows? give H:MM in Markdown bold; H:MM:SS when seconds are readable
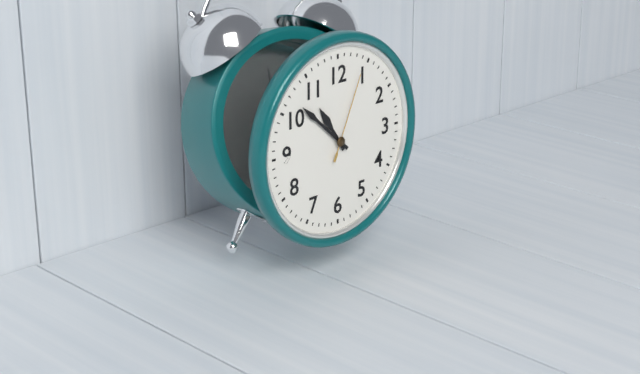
**10:52:04**
